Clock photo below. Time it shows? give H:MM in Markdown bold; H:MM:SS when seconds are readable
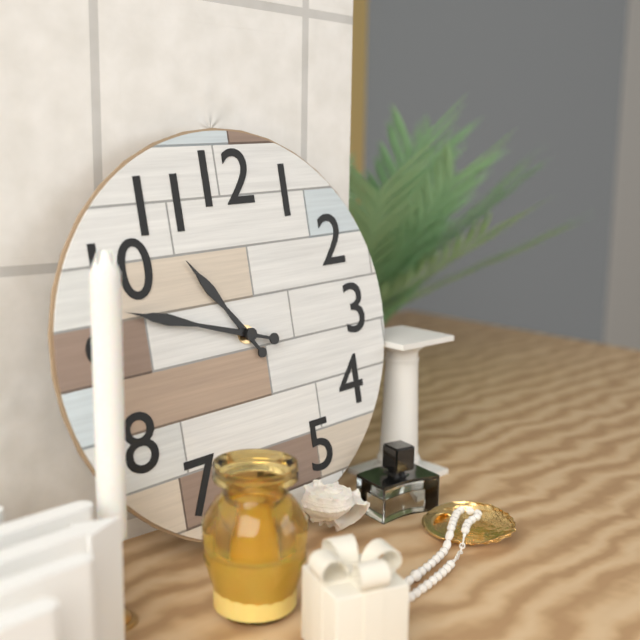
**10:48**
